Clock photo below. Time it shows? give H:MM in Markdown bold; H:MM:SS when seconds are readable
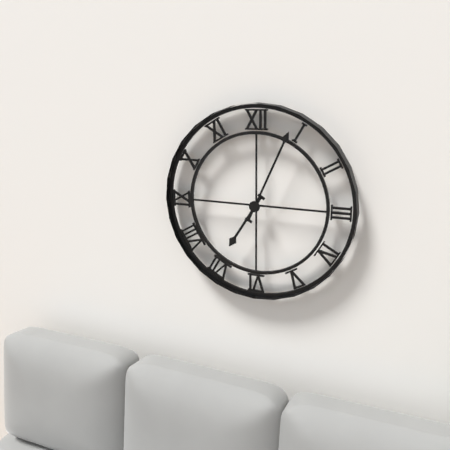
**7:04**
